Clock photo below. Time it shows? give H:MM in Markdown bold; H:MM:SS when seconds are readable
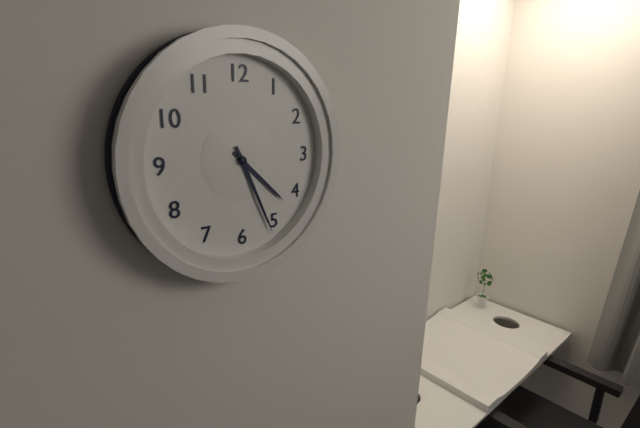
**4:26**
